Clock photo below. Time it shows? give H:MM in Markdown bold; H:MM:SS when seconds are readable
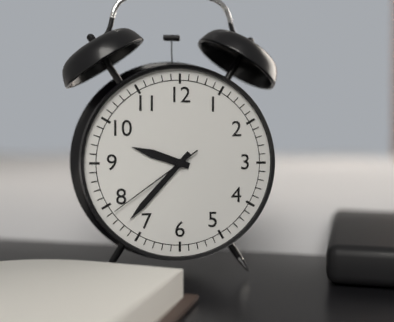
**9:37:39**
